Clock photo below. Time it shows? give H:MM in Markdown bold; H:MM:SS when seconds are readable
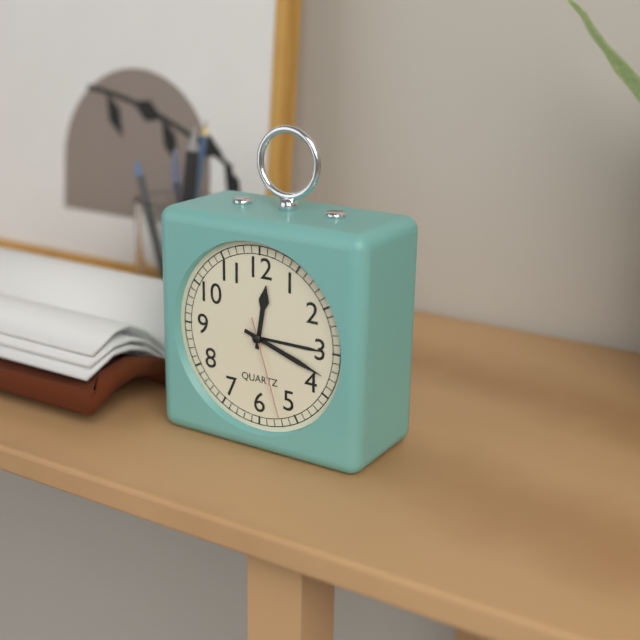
**12:18:27**
